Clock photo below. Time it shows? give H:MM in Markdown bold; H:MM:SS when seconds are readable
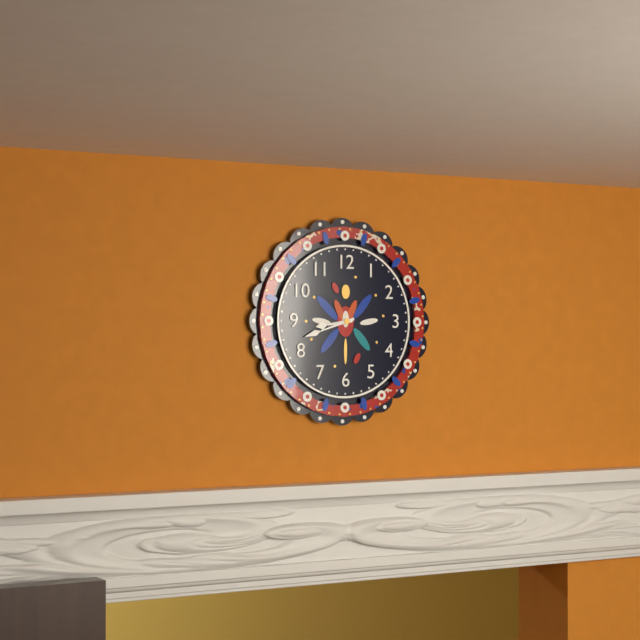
**8:42**
